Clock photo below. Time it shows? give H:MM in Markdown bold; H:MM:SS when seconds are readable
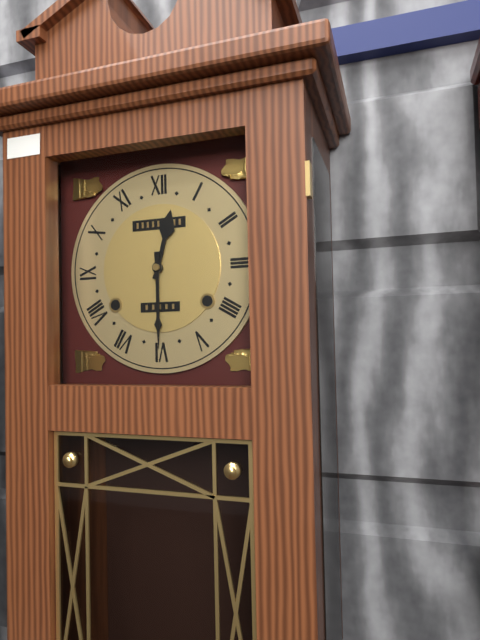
**12:30**
